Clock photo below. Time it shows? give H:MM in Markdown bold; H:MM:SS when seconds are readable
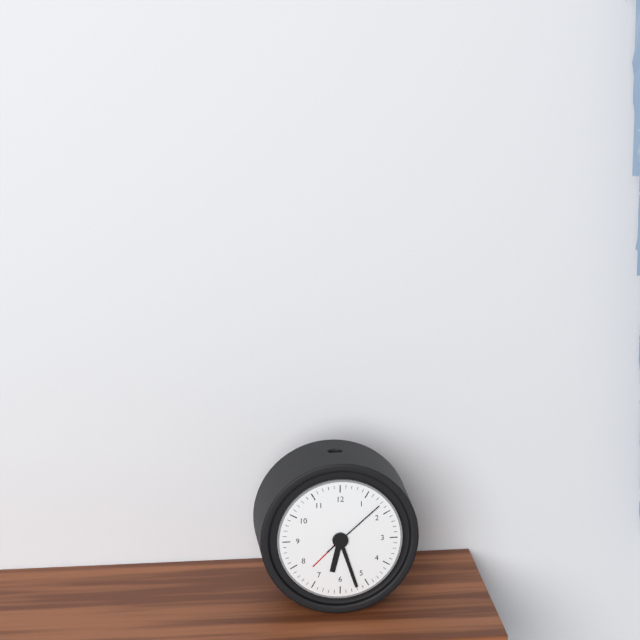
**6:27:08**
